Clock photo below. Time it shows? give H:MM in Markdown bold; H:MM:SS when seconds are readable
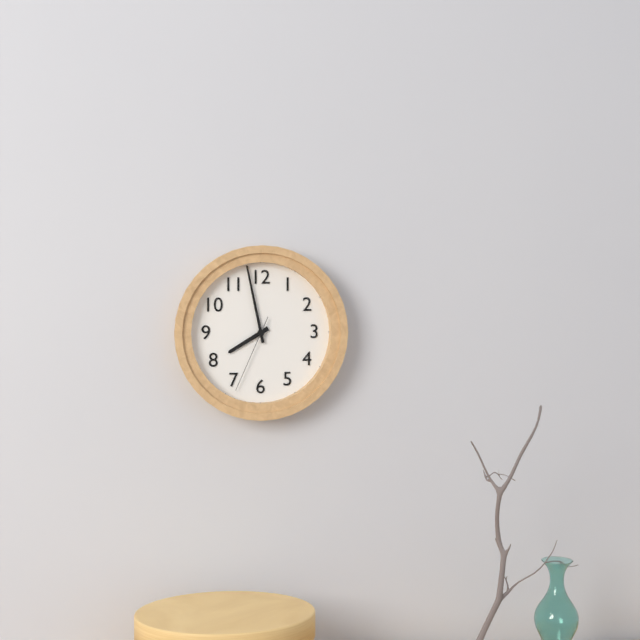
**7:58:34**
